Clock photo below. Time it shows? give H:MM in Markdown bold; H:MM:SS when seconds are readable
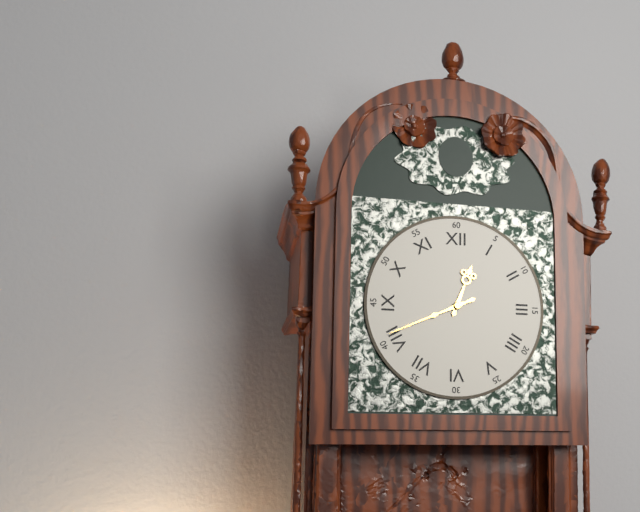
**12:41**
